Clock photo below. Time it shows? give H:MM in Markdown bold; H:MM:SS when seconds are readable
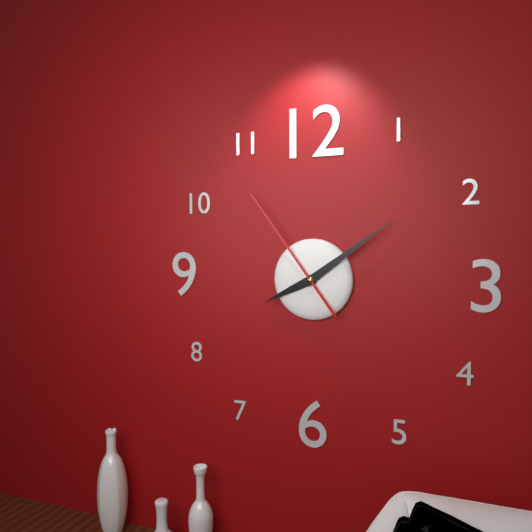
**8:09:54**
